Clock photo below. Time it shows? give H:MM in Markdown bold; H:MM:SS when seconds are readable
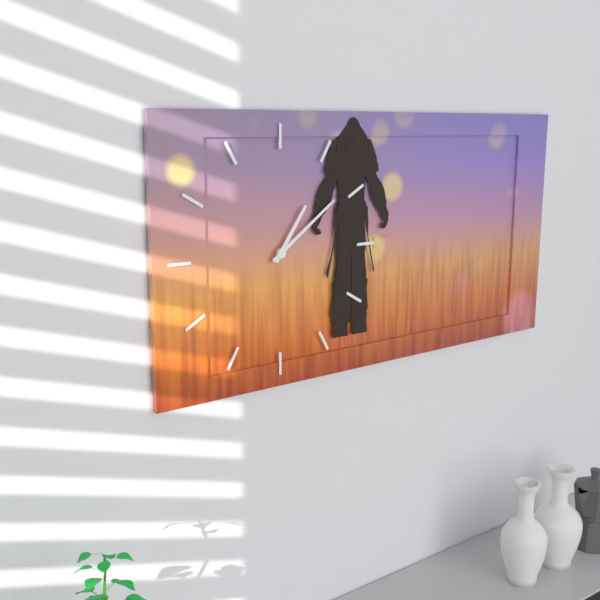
**1:09**
